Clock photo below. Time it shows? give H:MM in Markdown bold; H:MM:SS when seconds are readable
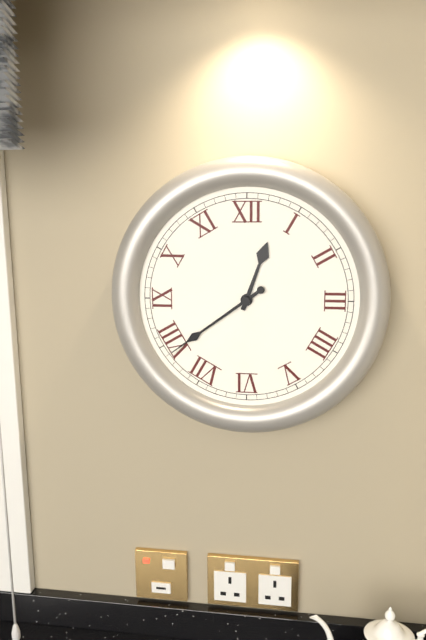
**12:39**
